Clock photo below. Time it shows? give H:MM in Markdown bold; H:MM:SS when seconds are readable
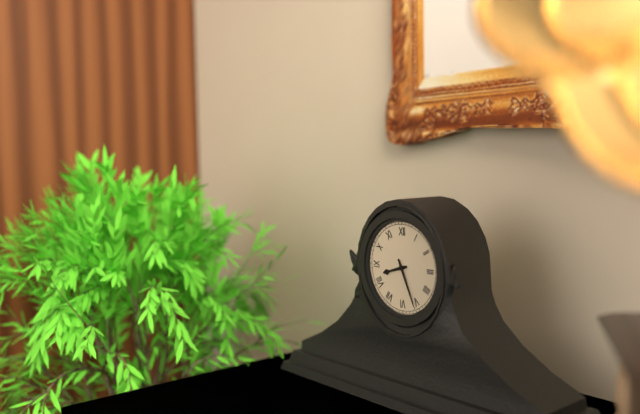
**8:26**
